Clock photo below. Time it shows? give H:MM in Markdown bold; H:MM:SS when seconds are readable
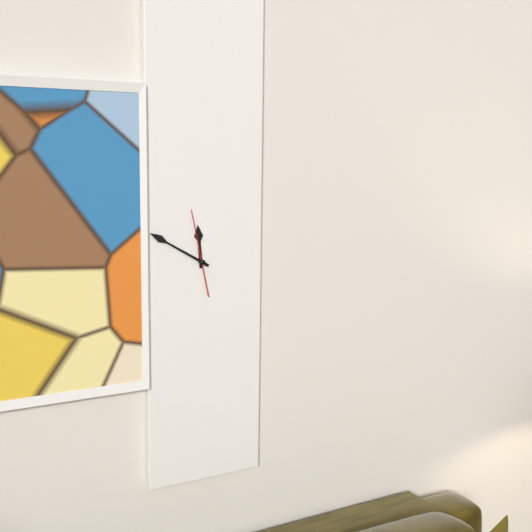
**11:50:58**
